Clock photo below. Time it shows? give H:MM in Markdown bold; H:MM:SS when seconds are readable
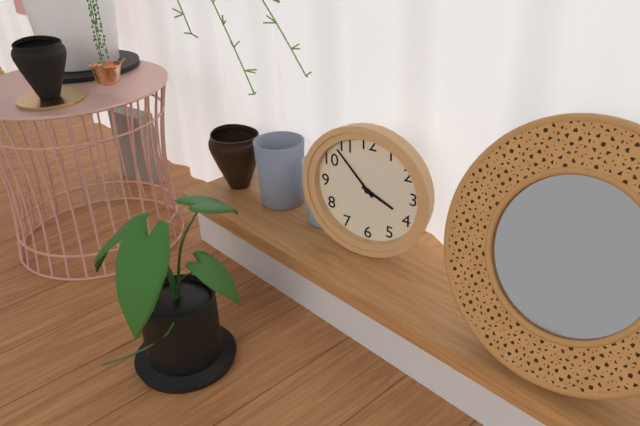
**3:53**
